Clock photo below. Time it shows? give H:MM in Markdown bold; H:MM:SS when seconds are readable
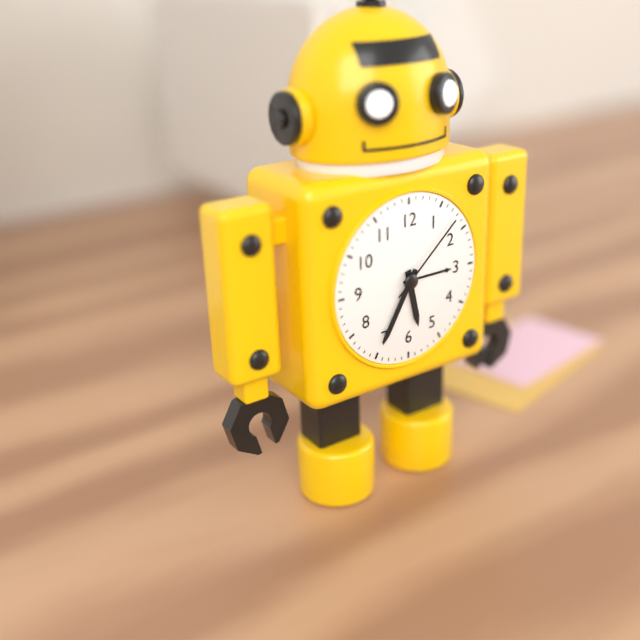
**5:35:08**
